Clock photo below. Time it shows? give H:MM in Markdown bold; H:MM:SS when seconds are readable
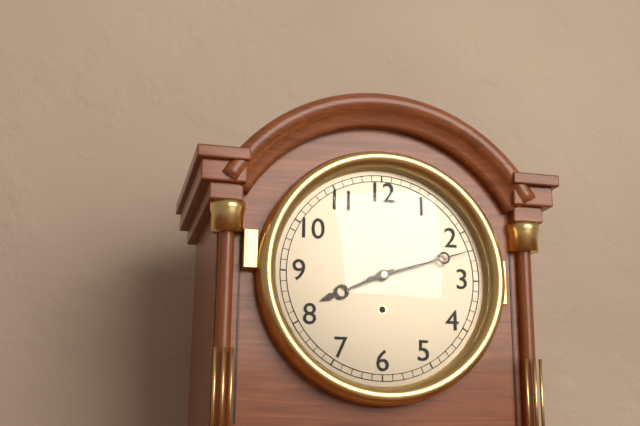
**8:12**
